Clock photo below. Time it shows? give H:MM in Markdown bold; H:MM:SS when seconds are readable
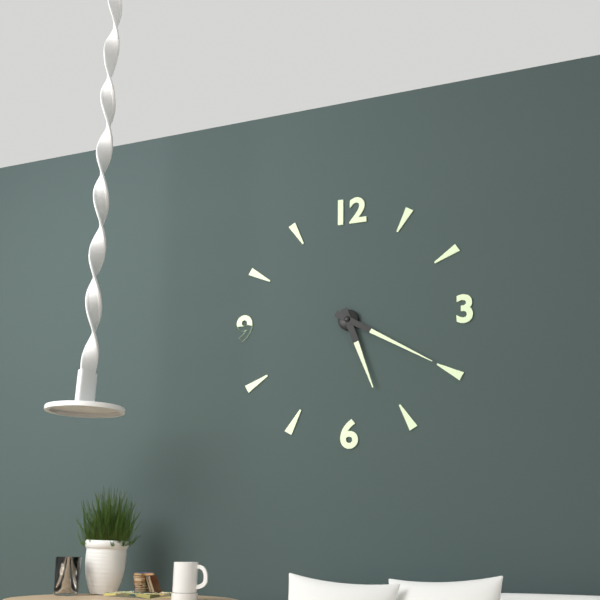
**5:20**
